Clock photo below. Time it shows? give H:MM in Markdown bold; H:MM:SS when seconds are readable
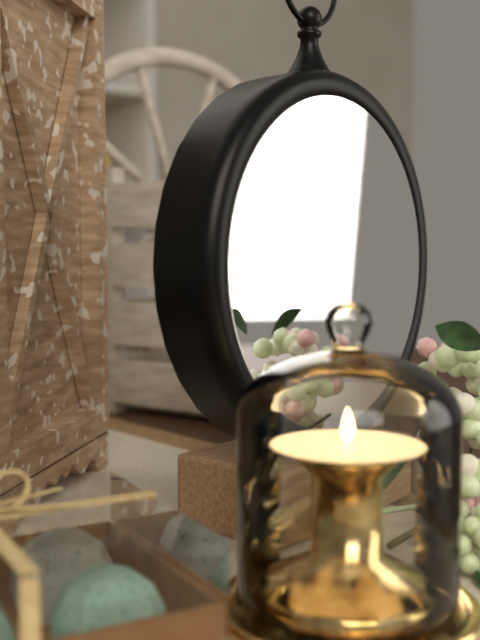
**9:28**
